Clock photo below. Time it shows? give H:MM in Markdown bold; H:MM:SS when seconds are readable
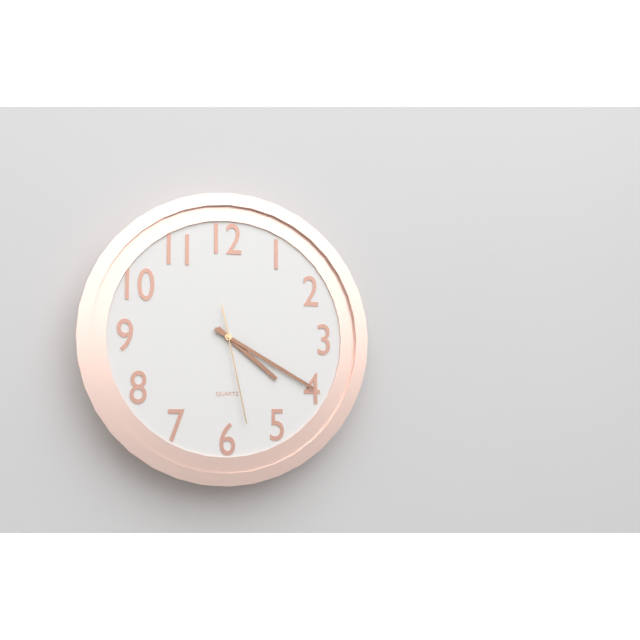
**4:20:28**
